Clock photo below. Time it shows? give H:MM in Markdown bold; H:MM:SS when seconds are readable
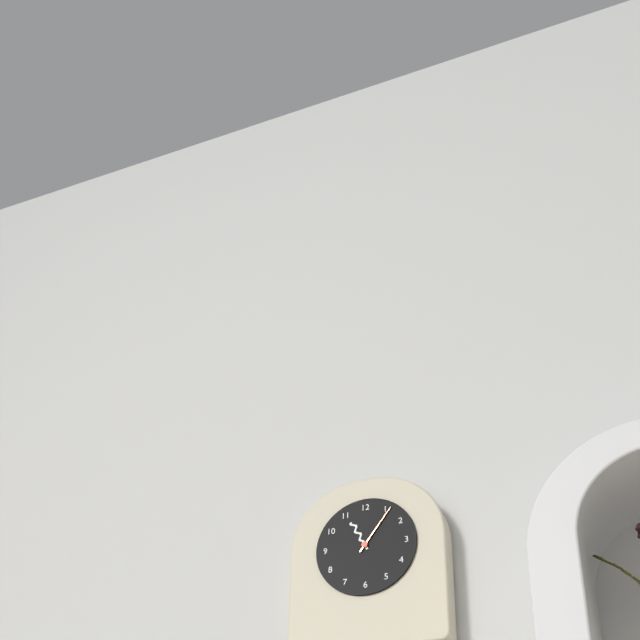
**11:06**
